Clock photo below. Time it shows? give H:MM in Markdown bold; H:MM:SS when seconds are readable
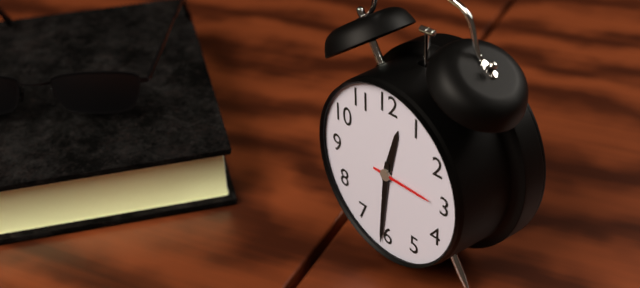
**12:31:15**
